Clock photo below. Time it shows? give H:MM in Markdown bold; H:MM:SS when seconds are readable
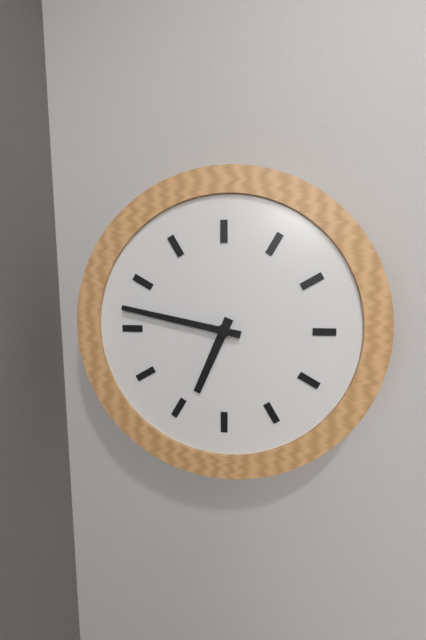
**6:47**
